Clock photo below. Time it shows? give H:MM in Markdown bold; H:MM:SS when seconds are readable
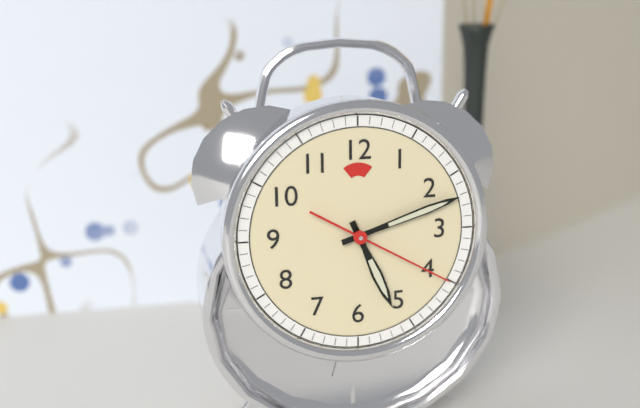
**5:12:20**
